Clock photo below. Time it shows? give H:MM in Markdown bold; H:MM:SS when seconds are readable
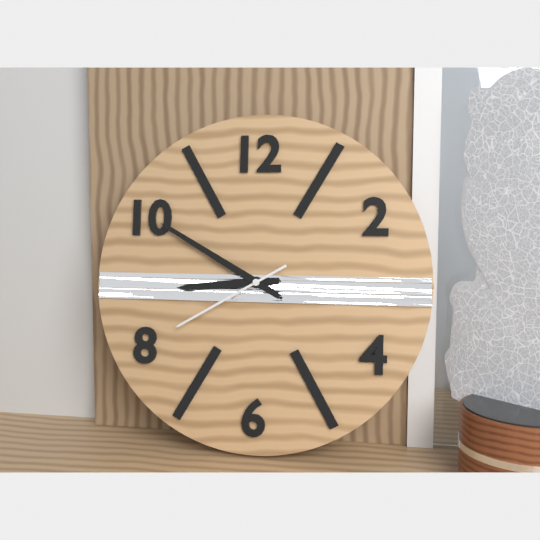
**8:50:40**
